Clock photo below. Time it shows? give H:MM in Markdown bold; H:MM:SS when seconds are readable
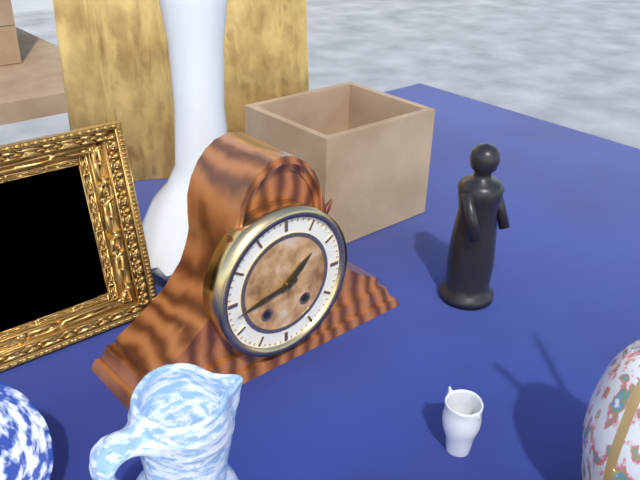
**1:43**
